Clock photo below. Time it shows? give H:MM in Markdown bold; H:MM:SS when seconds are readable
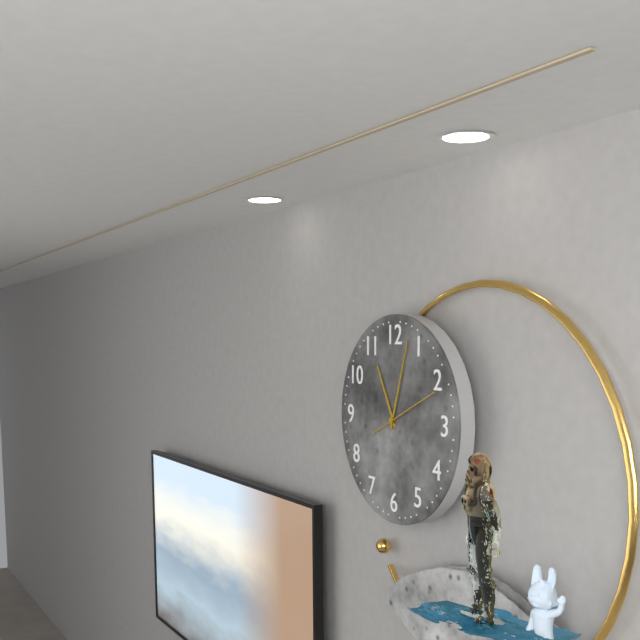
**11:03:11**
